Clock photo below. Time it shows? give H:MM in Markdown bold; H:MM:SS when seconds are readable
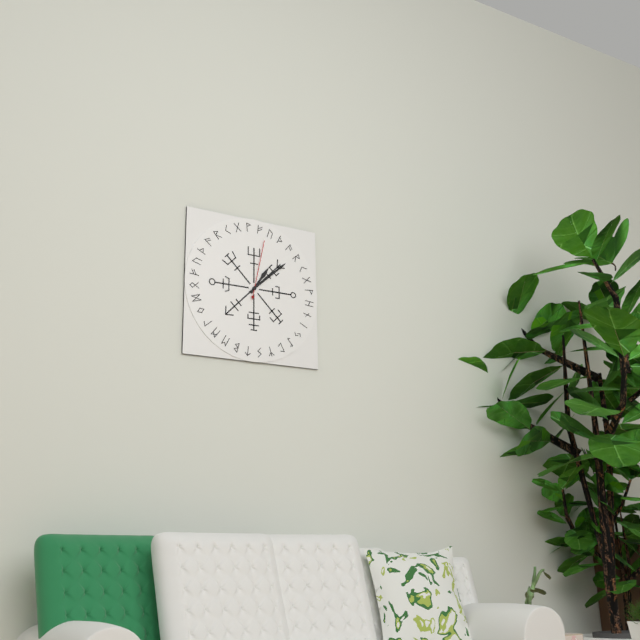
**1:08:02**
